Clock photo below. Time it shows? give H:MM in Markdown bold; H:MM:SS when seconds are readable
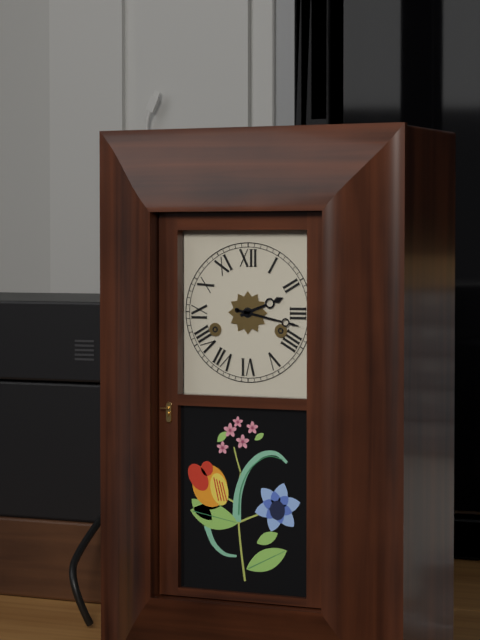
**2:17**
